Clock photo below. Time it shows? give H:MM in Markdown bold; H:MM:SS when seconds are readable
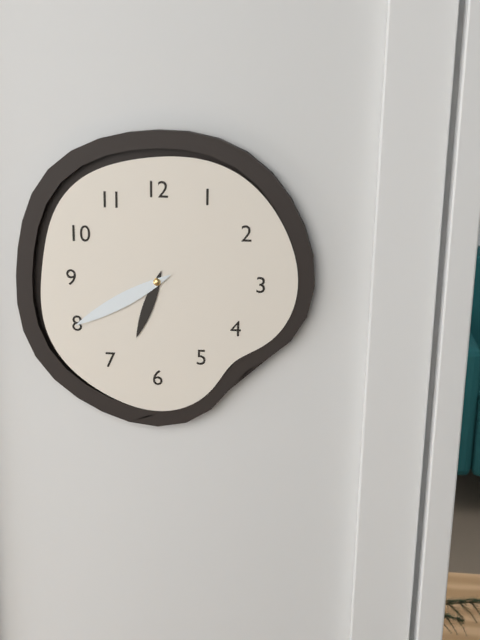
**6:40**
